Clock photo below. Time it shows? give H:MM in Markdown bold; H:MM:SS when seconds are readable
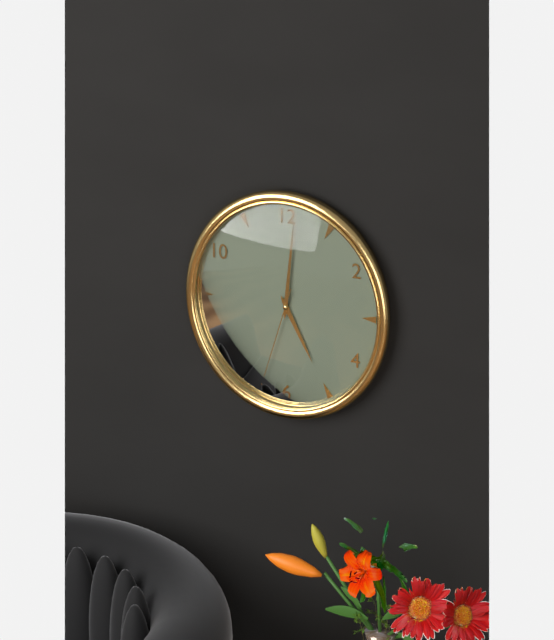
**5:01:33**
